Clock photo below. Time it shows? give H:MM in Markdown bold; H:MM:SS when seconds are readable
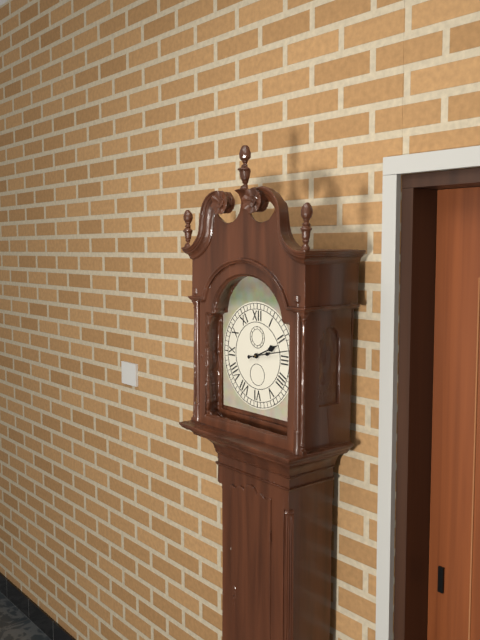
**2:13**
